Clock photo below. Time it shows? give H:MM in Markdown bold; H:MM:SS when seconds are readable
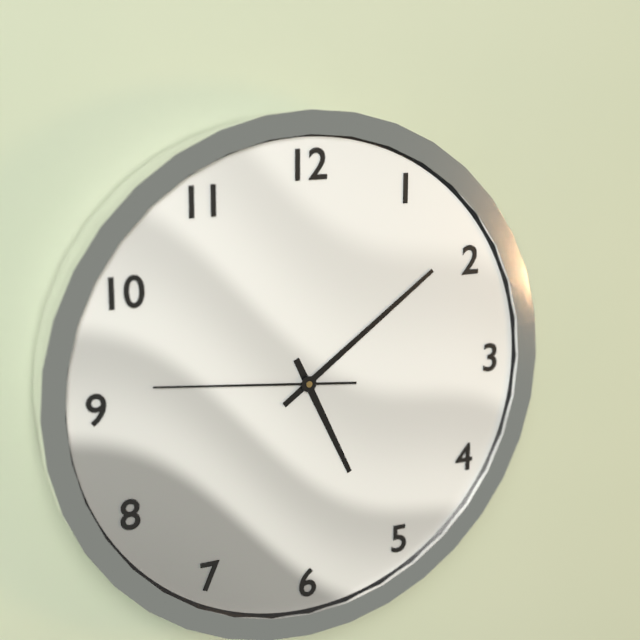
**5:09:46**
